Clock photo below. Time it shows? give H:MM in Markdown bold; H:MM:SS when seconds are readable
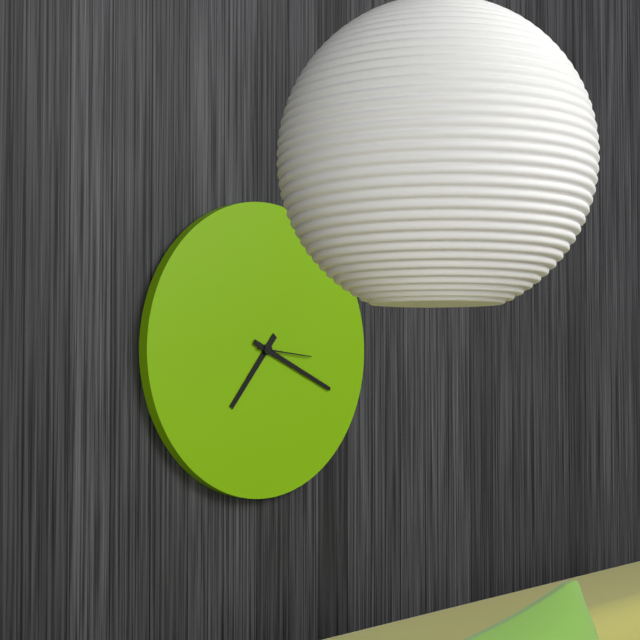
**7:19:16**
